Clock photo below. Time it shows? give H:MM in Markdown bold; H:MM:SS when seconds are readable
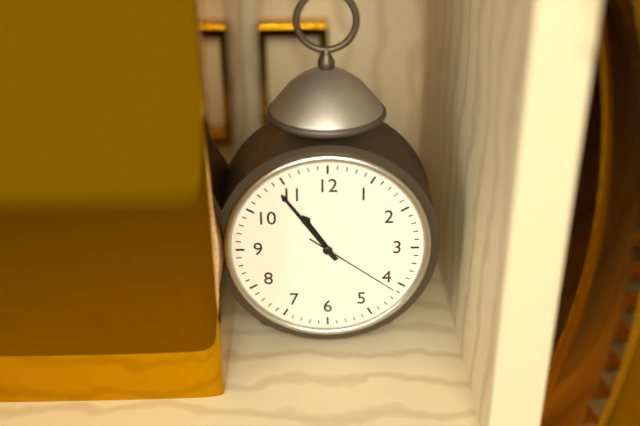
**10:54:21**
